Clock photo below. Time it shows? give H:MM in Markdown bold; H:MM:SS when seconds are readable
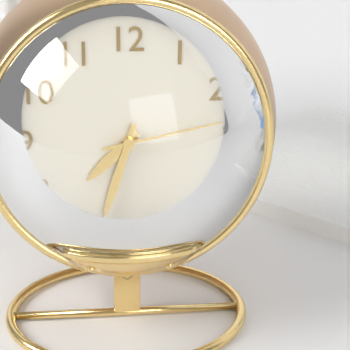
**7:33:13**
